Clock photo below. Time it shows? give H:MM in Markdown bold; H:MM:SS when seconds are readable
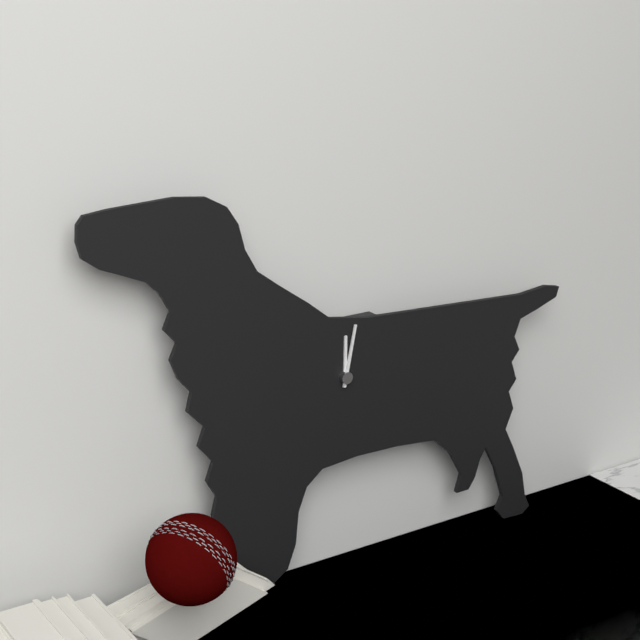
**12:02**
